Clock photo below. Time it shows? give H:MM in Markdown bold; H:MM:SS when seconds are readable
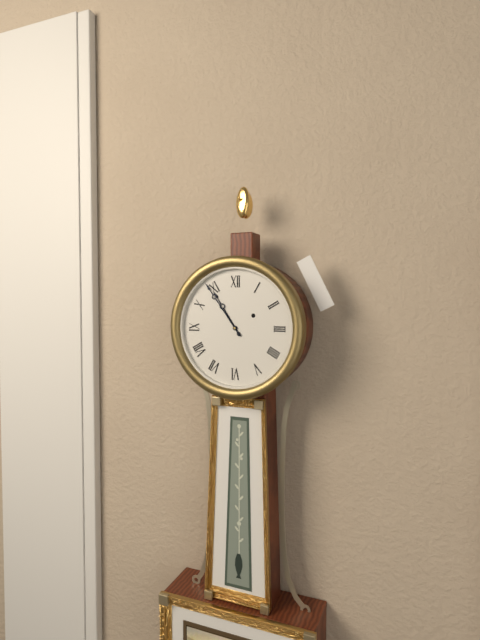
**10:54**
